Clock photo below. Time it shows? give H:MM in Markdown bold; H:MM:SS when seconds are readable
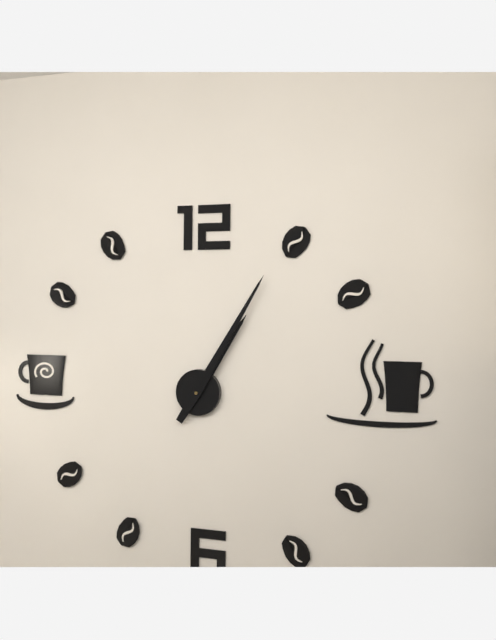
**1:05**
